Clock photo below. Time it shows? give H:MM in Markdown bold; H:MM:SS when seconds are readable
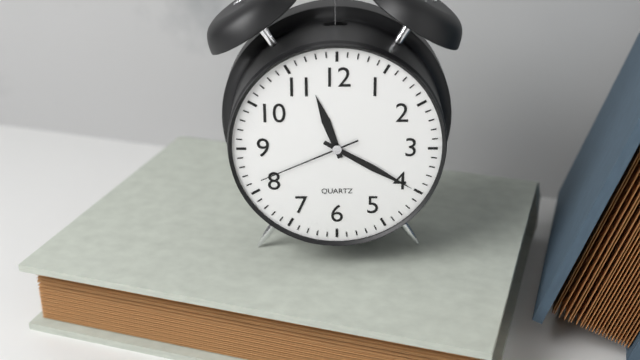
**11:20:41**
